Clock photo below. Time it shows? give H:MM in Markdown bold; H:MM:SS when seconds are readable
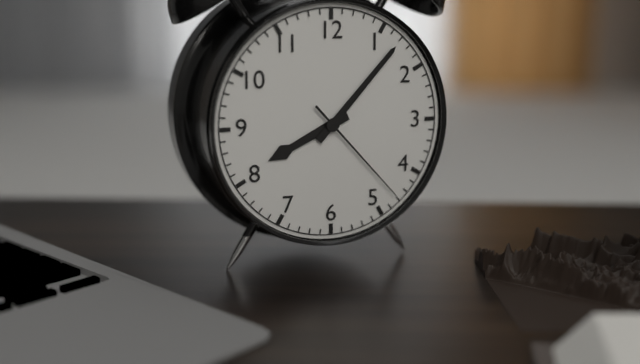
**8:07:23**
